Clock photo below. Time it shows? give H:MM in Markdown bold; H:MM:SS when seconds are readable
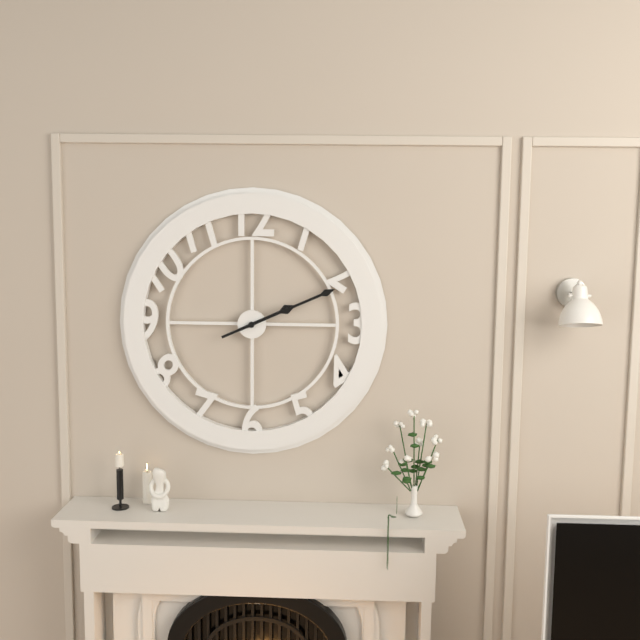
**2:11**
